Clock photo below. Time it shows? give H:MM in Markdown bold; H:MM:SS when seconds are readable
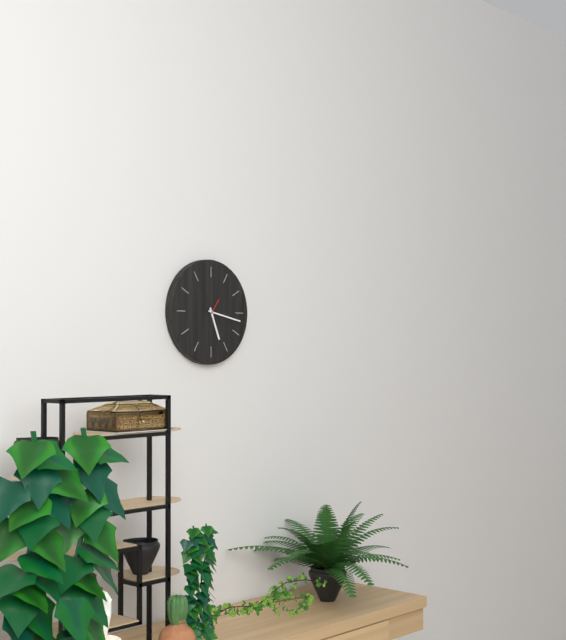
**5:17**
